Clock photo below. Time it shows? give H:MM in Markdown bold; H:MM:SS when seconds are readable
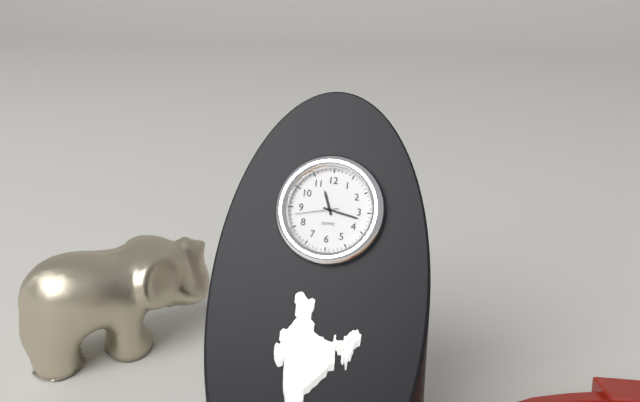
**11:17**
